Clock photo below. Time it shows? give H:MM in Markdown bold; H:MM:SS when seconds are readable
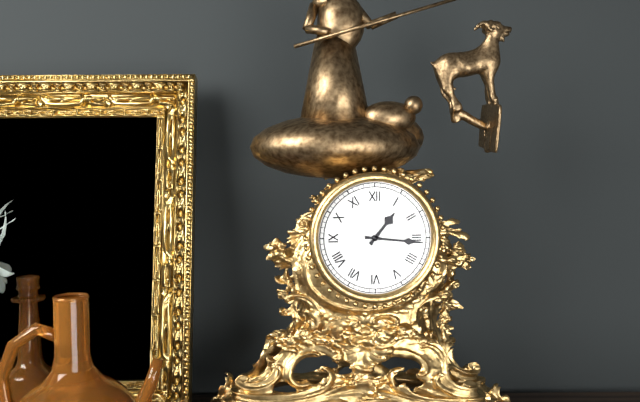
**1:16**
